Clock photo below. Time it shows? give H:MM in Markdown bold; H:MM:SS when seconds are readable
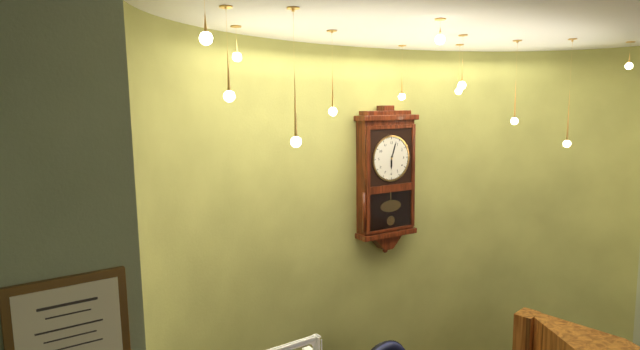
**6:03**
